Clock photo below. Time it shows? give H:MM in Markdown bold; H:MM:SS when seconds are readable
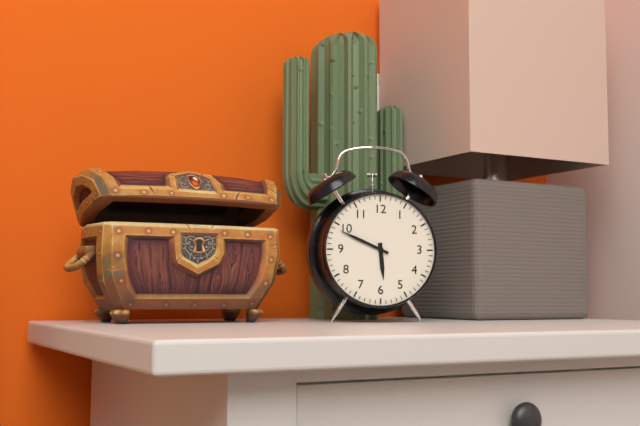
**5:49**
